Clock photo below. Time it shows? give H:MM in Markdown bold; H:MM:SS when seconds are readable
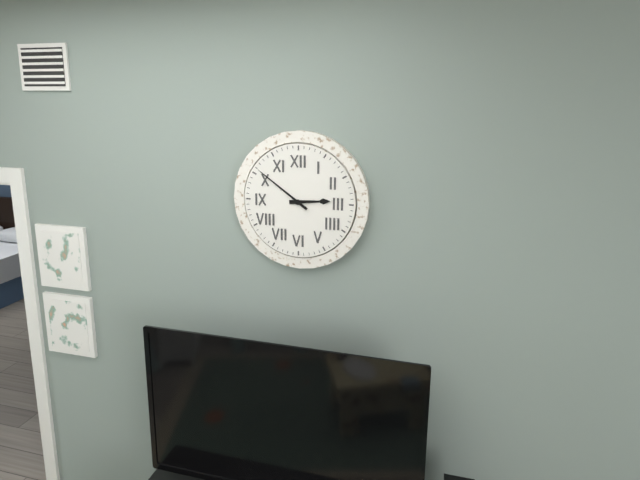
**2:51**
